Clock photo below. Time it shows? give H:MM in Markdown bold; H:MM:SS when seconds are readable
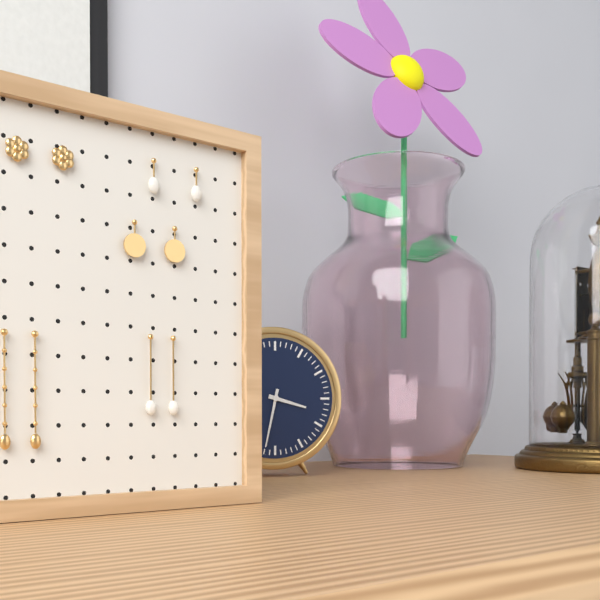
**3:32**
